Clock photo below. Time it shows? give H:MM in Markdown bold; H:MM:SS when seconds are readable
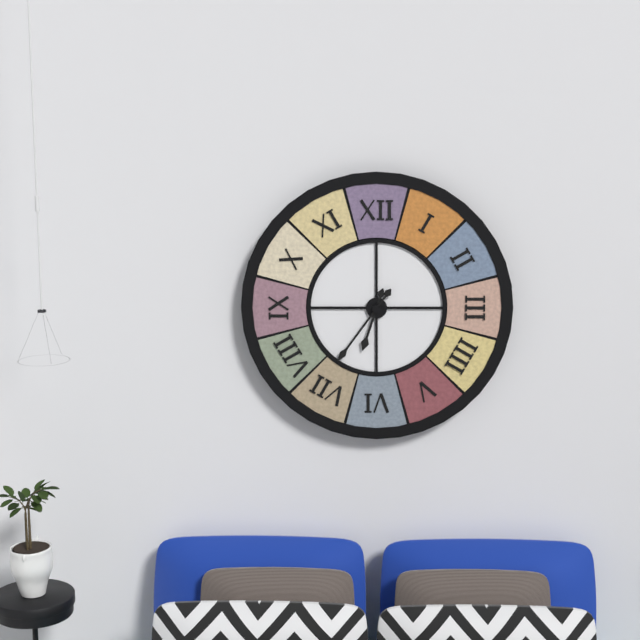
**6:36**
